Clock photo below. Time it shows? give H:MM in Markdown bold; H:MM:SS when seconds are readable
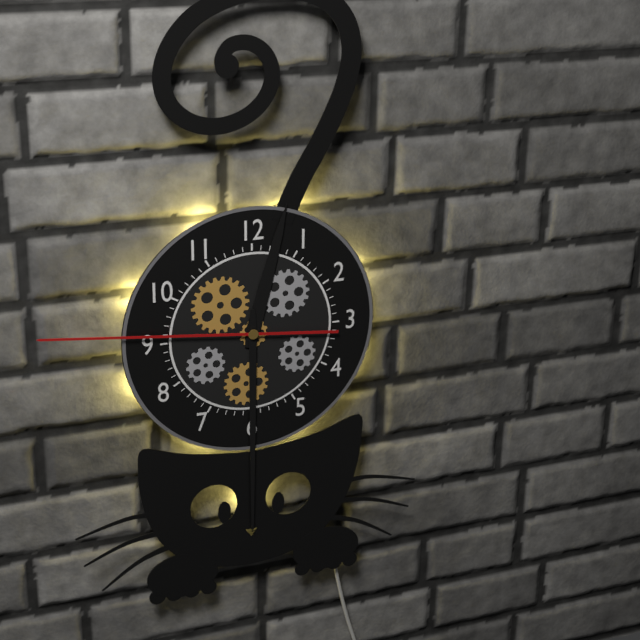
**12:30:46**
